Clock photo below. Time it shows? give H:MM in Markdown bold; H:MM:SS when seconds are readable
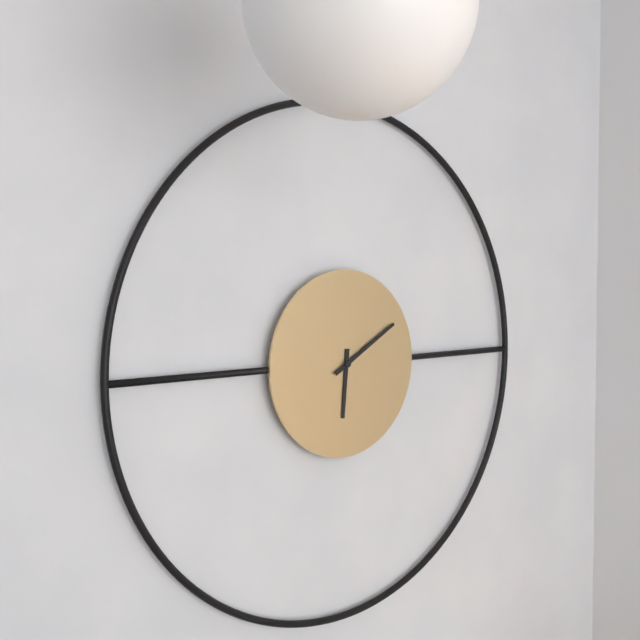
**6:10**
